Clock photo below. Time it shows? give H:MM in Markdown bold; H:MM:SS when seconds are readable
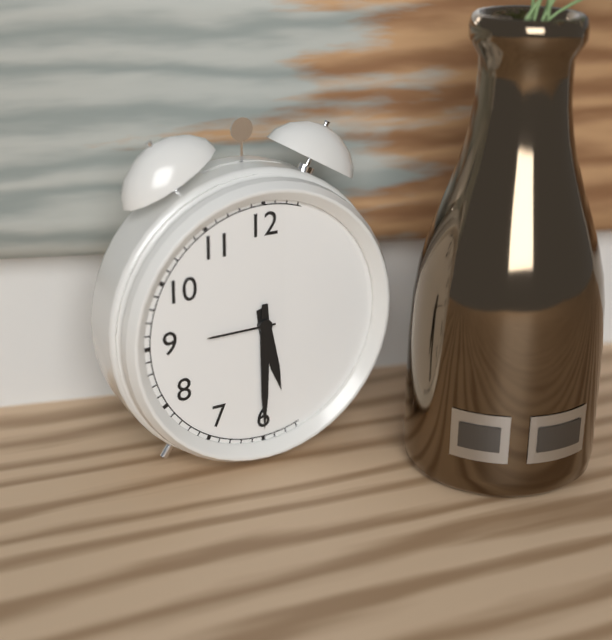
**5:30**
